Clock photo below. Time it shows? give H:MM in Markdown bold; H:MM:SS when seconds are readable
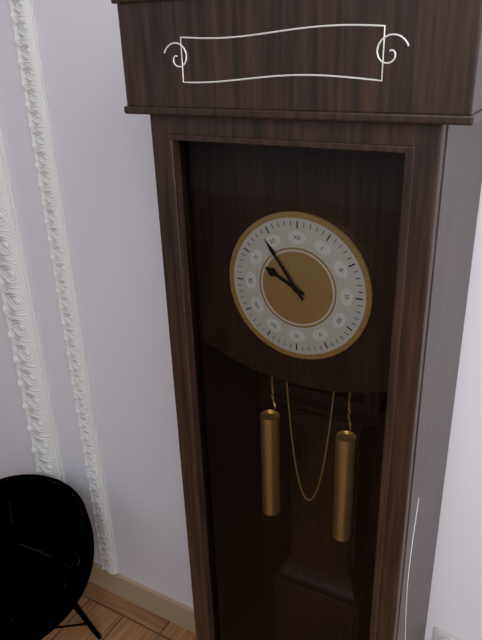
**9:54**
